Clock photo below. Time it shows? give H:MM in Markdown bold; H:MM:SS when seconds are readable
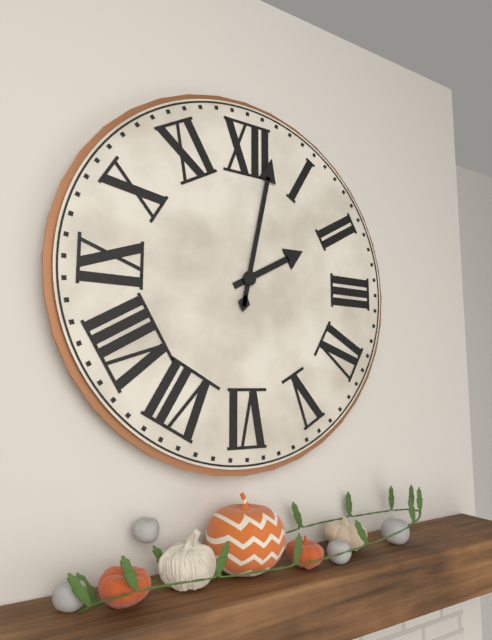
**2:02**
